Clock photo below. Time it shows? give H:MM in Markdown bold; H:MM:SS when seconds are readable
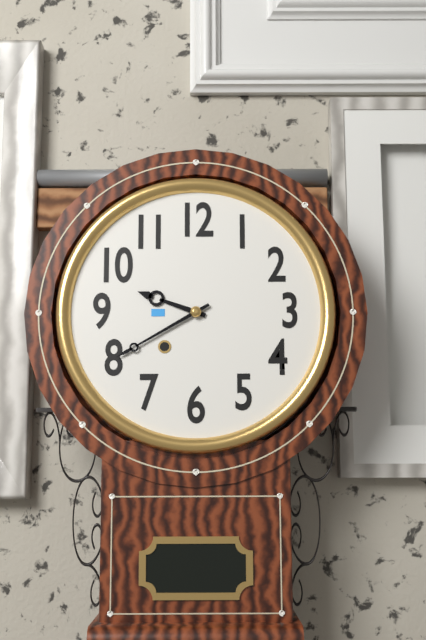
**9:40**
